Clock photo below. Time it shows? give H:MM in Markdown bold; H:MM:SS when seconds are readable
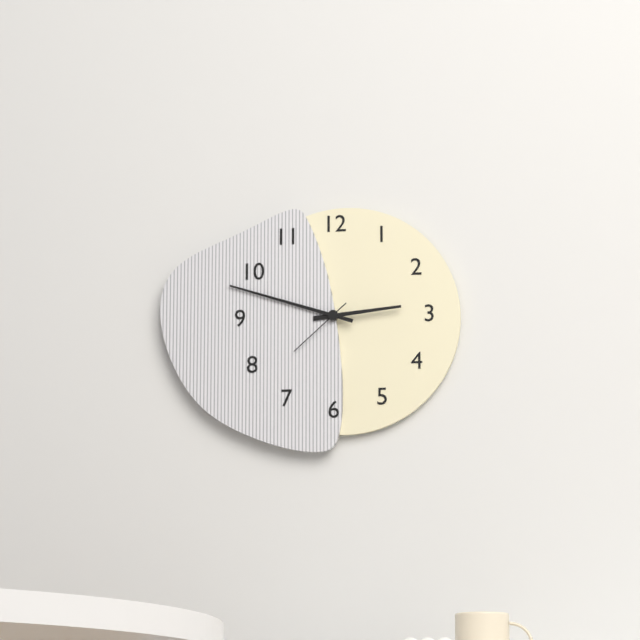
**2:48:38**
